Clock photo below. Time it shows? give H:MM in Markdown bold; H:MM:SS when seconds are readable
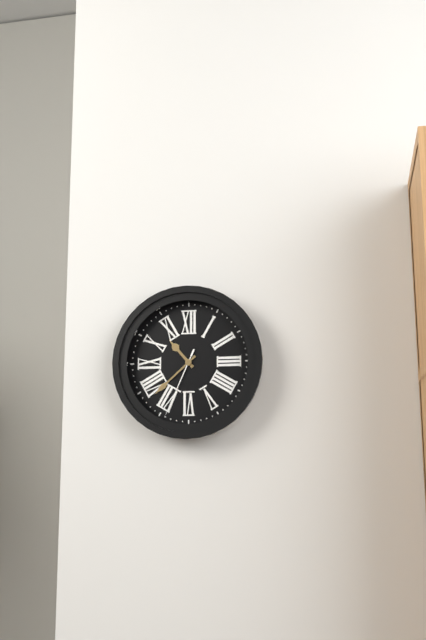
**10:38:34**
